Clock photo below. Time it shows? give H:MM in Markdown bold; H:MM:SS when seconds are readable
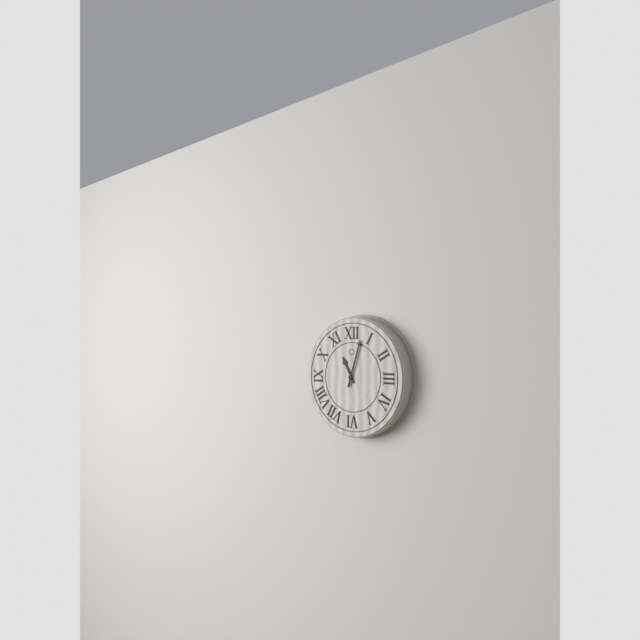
**11:03**
